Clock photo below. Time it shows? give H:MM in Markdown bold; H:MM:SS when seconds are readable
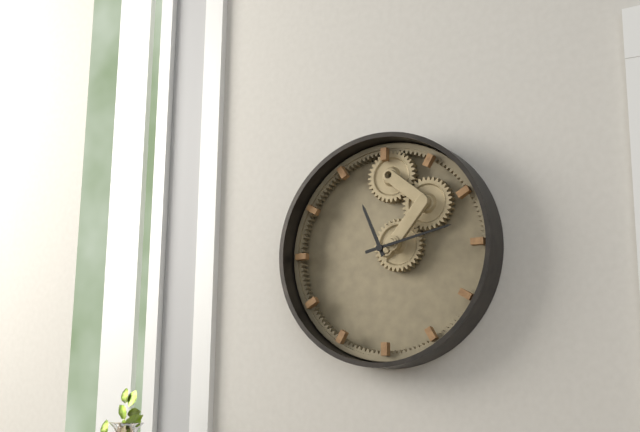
**11:13**
